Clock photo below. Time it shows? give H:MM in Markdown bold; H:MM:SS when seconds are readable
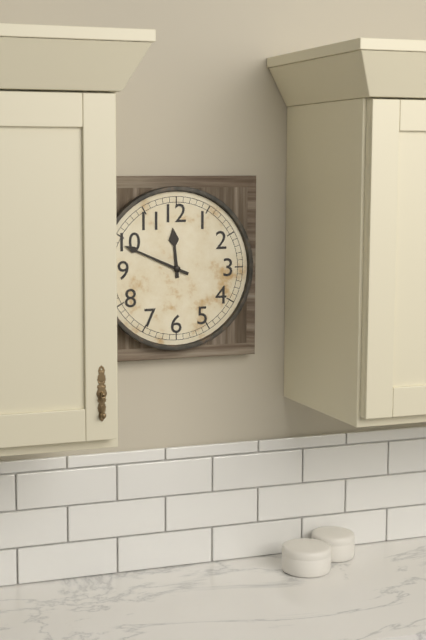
**11:49**
